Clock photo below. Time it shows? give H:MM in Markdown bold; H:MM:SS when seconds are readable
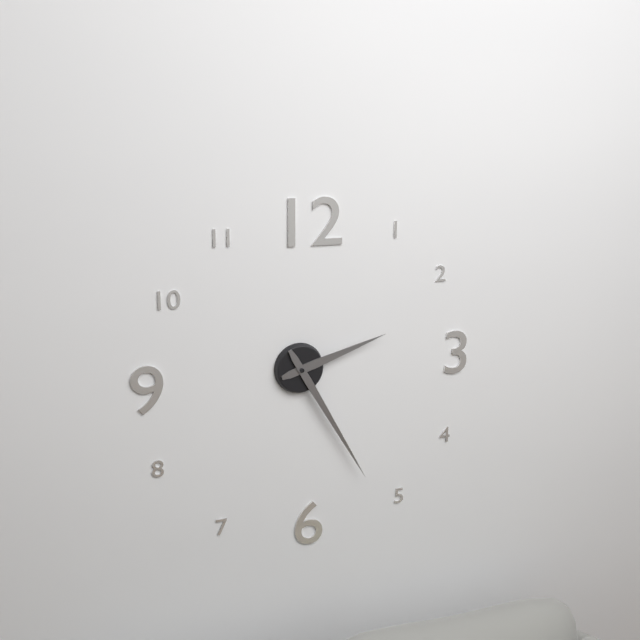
**2:25**
